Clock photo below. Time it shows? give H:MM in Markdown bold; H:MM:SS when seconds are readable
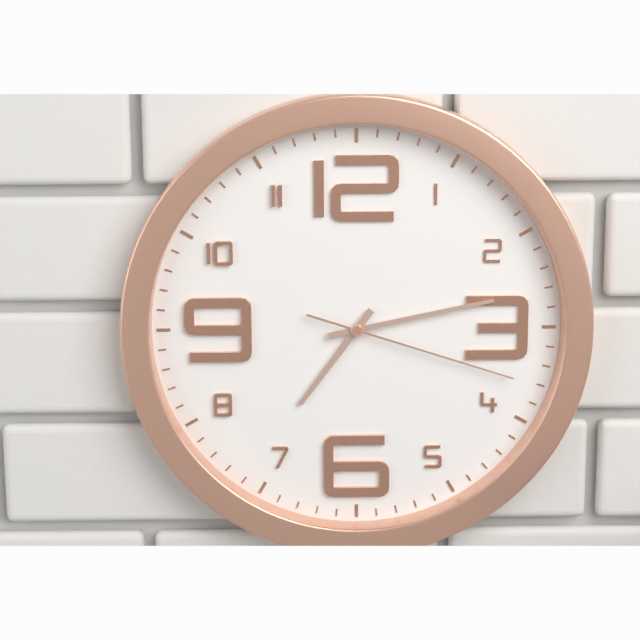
**7:13:18**
